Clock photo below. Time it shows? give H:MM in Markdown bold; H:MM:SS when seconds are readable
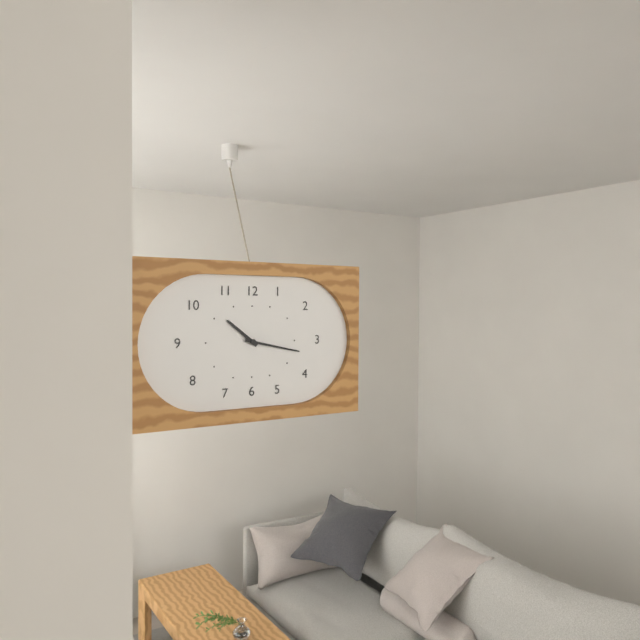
**10:17**
